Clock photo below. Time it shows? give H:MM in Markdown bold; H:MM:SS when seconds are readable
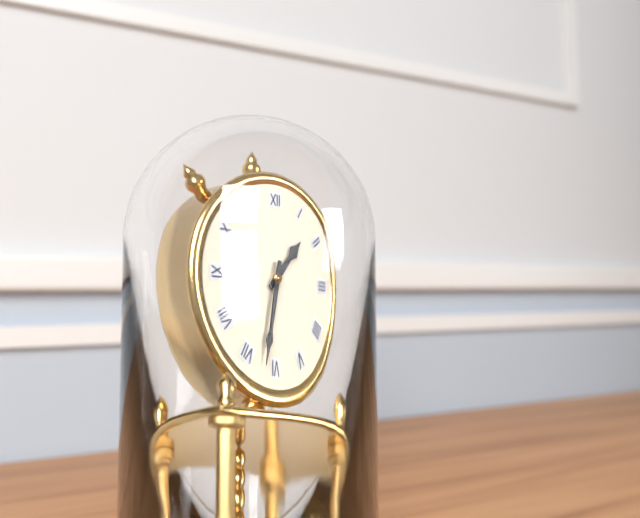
**1:32**
